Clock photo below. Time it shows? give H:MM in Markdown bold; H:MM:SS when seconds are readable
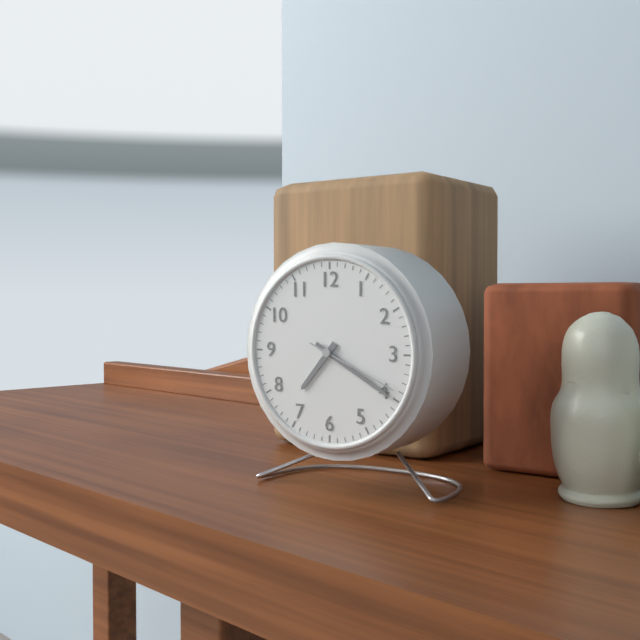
**7:20:19**
